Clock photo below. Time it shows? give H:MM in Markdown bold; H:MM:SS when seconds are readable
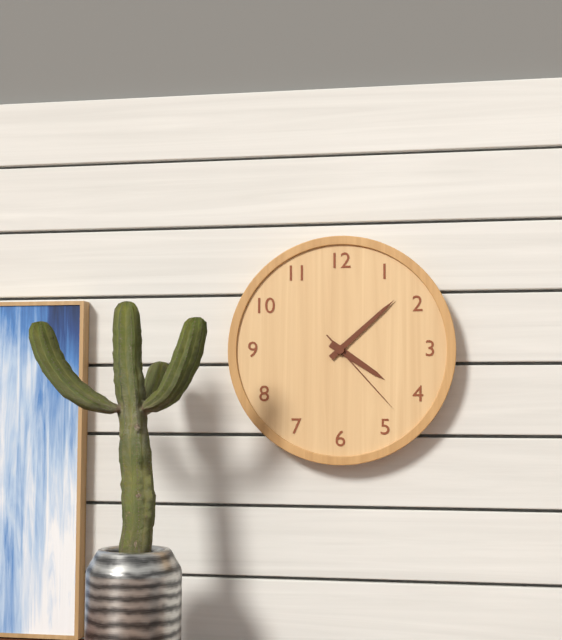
**4:08:23**
